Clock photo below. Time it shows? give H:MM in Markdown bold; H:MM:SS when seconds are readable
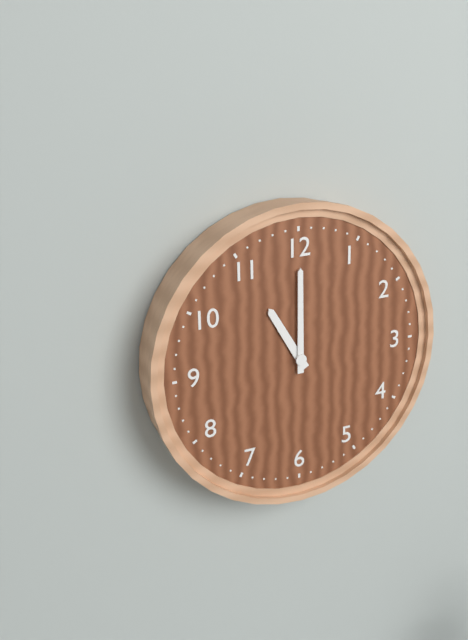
**11:00**
